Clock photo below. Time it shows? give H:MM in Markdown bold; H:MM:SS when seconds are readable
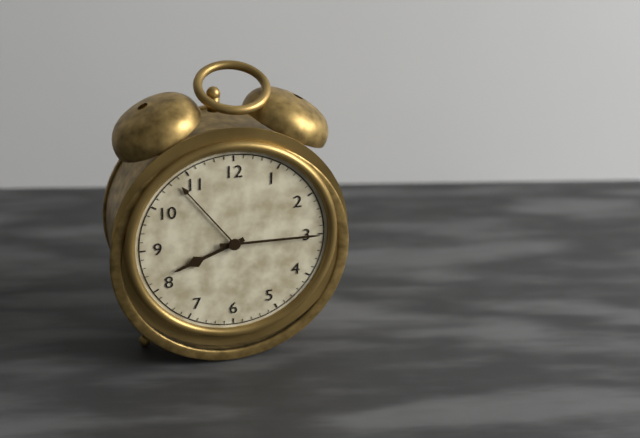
**8:15**
